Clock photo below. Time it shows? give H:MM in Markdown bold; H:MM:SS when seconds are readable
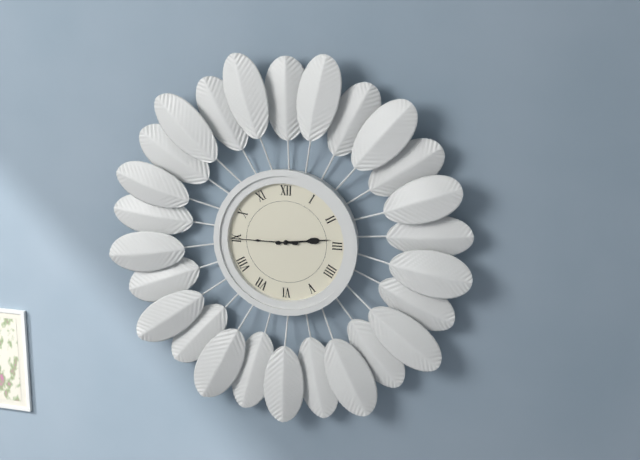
**2:45**
